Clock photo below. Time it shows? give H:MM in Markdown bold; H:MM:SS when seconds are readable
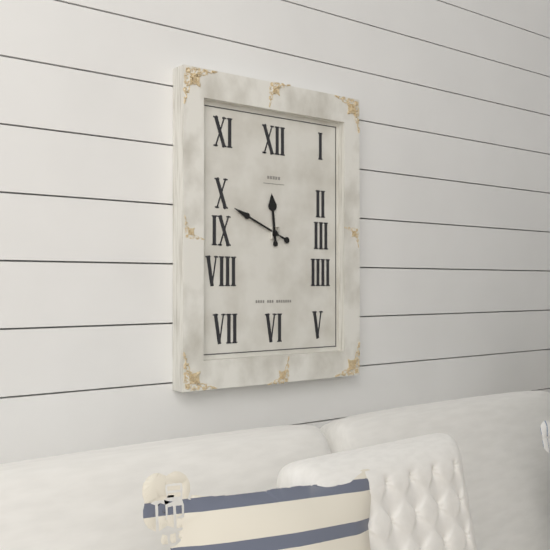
**11:49**
